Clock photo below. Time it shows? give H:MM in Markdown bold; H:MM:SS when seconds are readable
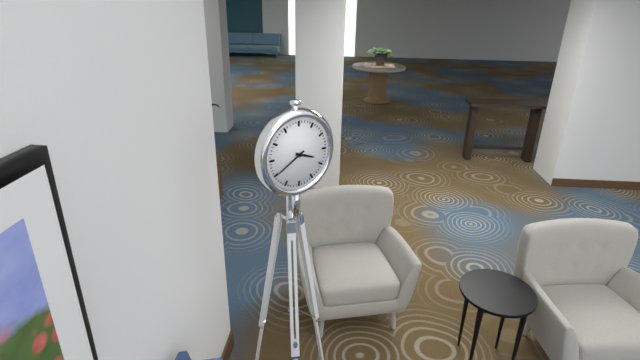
**3:40**
